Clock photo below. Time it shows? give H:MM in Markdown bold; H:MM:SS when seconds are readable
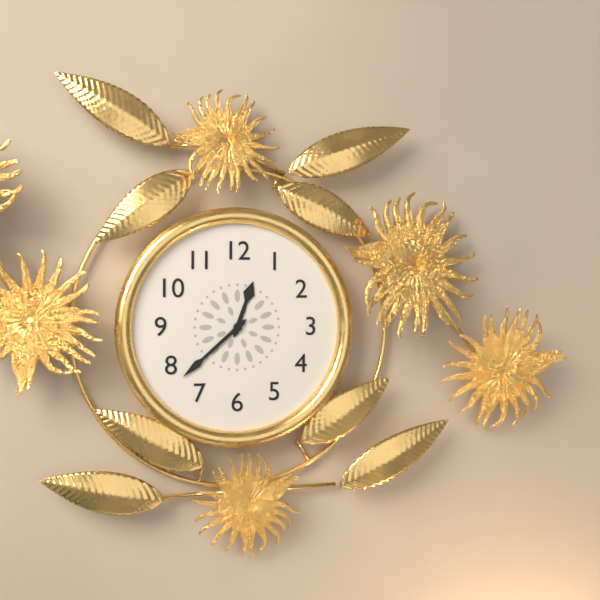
**12:38**
